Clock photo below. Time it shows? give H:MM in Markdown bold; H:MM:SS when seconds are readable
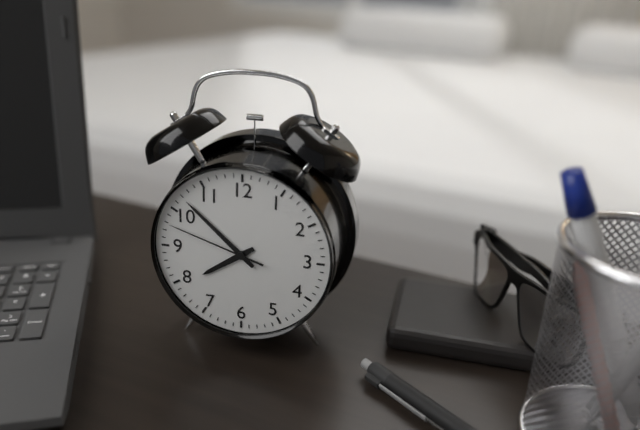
**7:52:48**
